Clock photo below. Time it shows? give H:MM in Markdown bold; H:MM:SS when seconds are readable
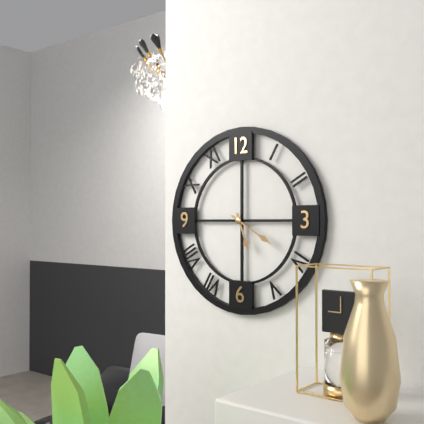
**5:20**
